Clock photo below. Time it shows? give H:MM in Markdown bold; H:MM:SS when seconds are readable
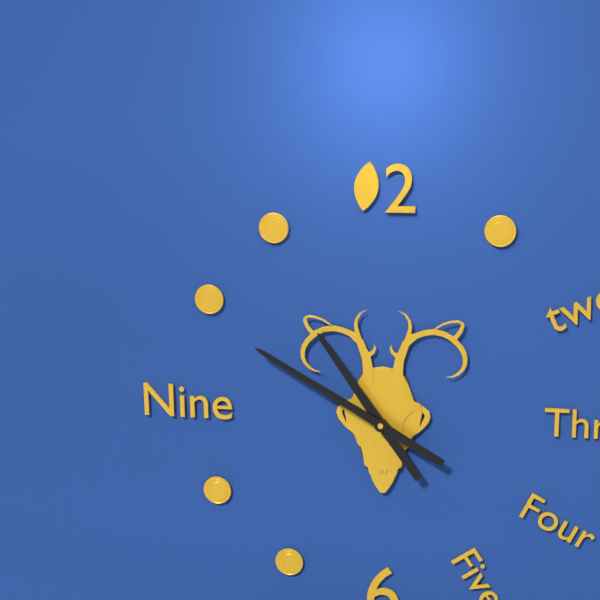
**10:50**
